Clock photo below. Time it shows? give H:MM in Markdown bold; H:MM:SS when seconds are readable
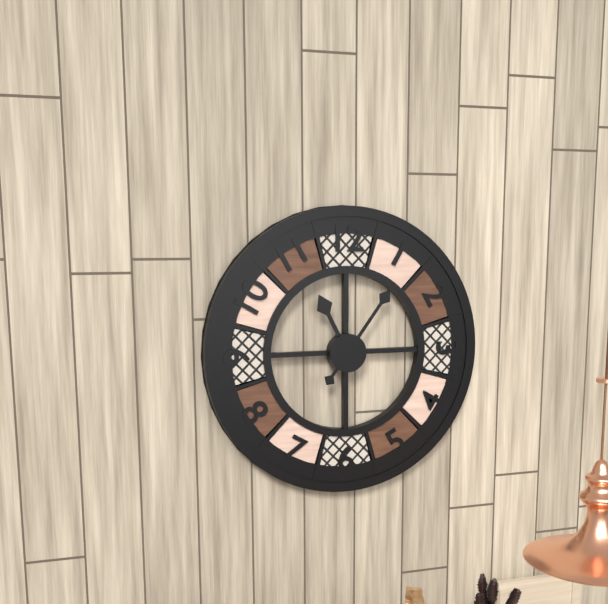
**11:06**
